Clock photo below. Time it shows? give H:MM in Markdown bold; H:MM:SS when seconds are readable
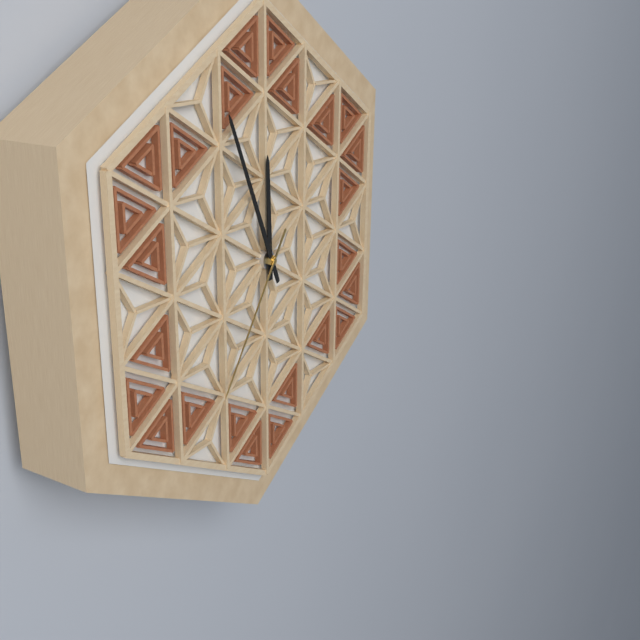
**11:56:36**
